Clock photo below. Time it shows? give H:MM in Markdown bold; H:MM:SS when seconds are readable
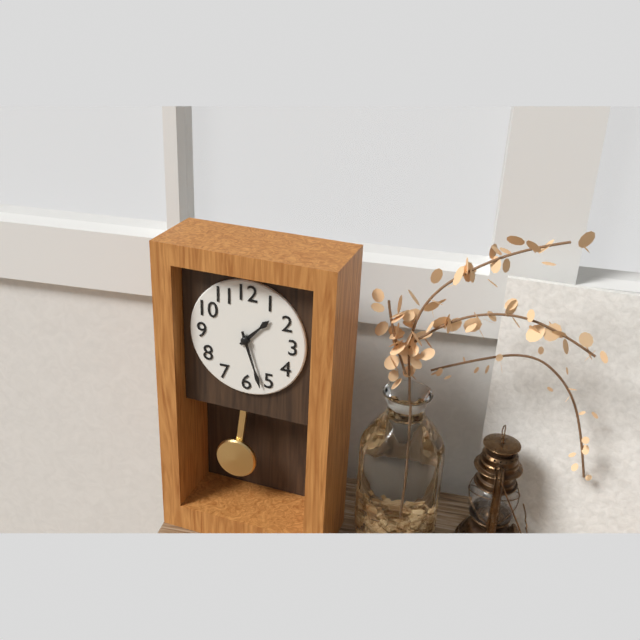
**1:27**
